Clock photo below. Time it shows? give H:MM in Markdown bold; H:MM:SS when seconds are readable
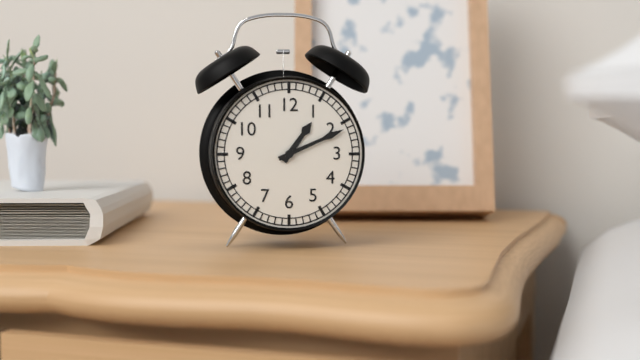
**1:11**
